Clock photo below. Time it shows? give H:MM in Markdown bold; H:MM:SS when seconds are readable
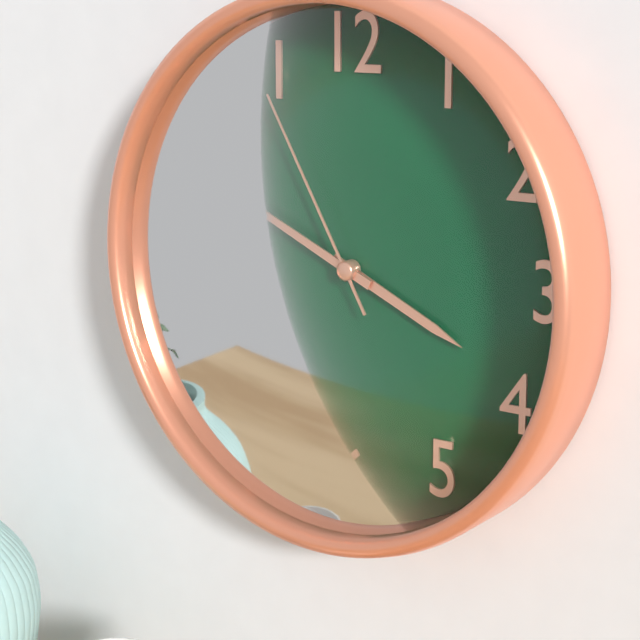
**3:49:55**
